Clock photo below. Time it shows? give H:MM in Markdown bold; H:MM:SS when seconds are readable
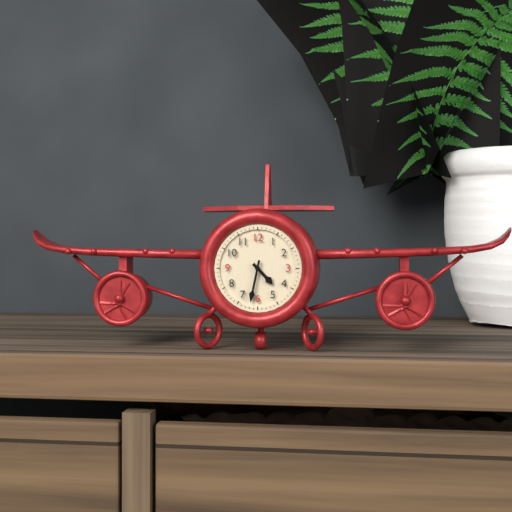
**4:32**
